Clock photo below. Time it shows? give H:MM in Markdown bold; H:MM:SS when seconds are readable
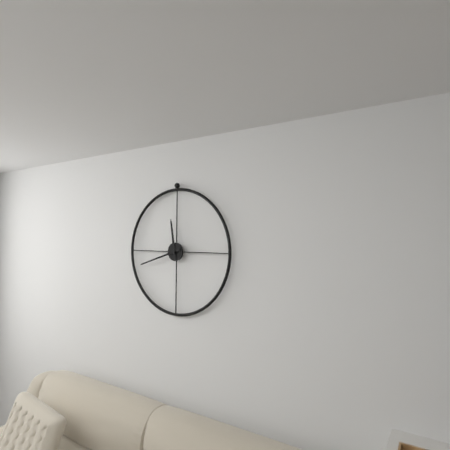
**11:42**
